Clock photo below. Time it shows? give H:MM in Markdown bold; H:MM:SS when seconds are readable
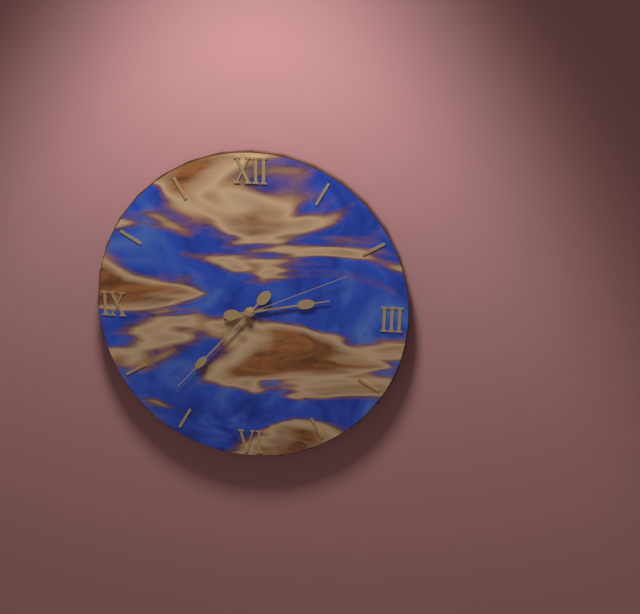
**2:37:11**
